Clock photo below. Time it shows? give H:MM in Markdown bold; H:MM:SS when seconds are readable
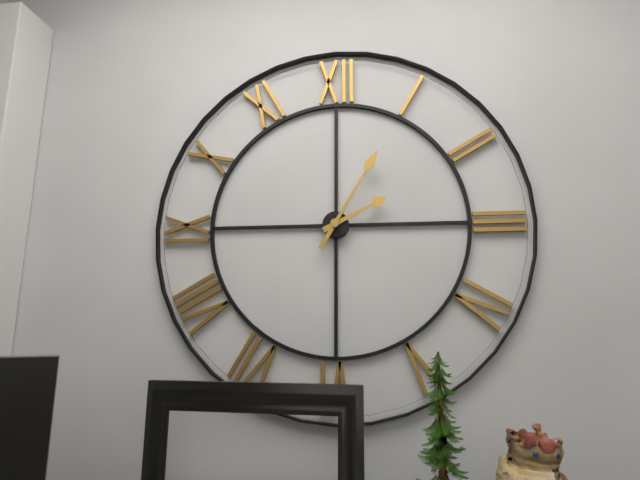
**2:05**
